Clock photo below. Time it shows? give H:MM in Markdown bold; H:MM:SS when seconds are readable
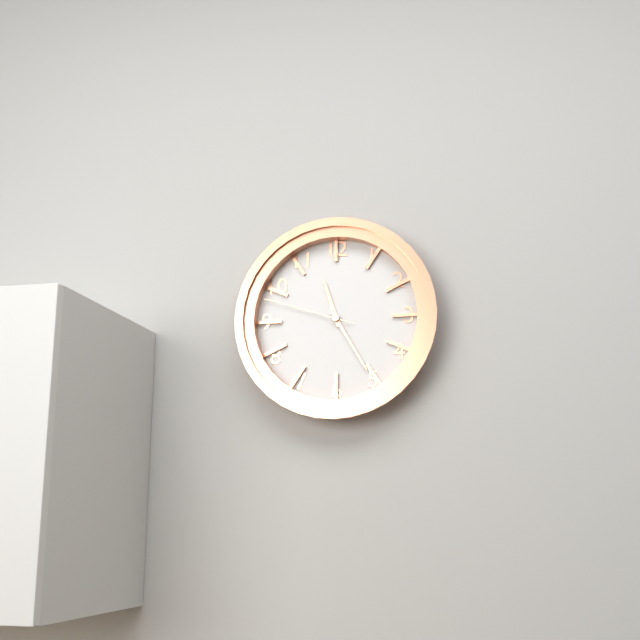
**11:25:48**
